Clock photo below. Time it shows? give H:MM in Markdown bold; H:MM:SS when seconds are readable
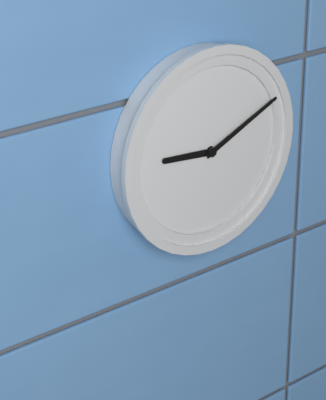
**9:11**
